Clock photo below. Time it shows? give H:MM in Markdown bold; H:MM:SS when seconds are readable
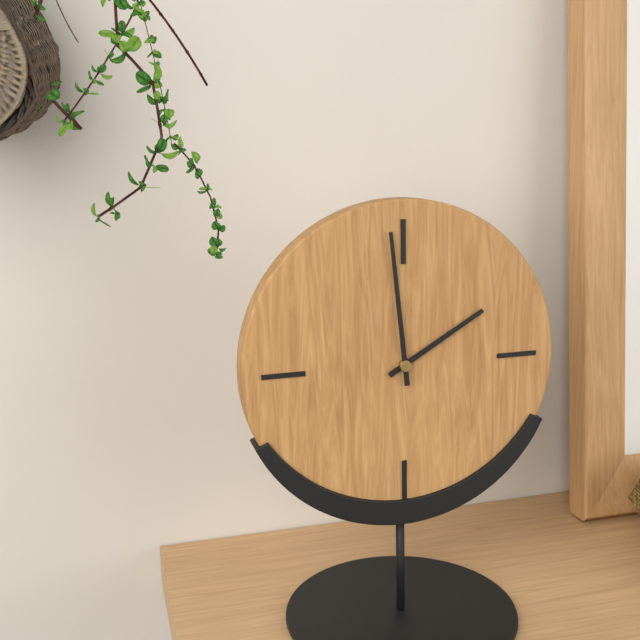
**1:59**
